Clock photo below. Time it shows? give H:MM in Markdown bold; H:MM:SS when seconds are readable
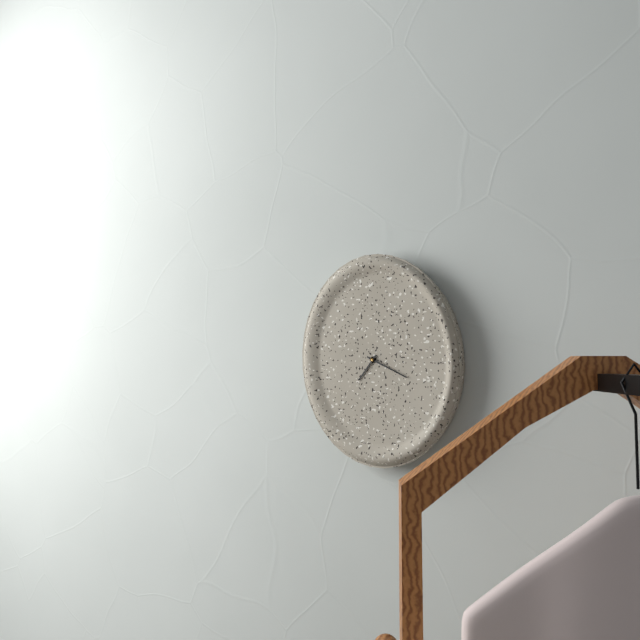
**7:19**
